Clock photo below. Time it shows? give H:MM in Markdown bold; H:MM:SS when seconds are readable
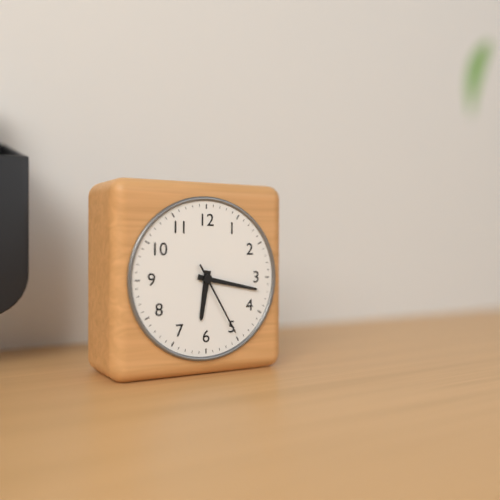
**6:17:25**
